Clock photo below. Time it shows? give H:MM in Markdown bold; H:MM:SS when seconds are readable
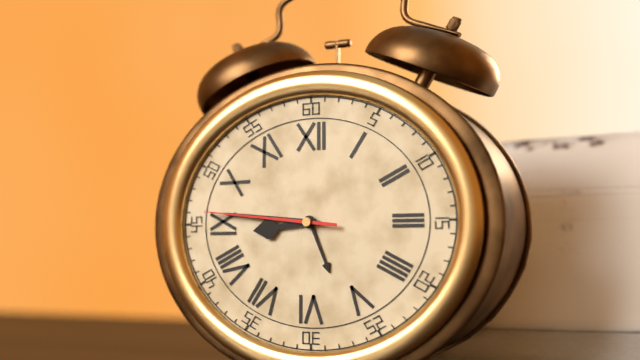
**8:46:46**
